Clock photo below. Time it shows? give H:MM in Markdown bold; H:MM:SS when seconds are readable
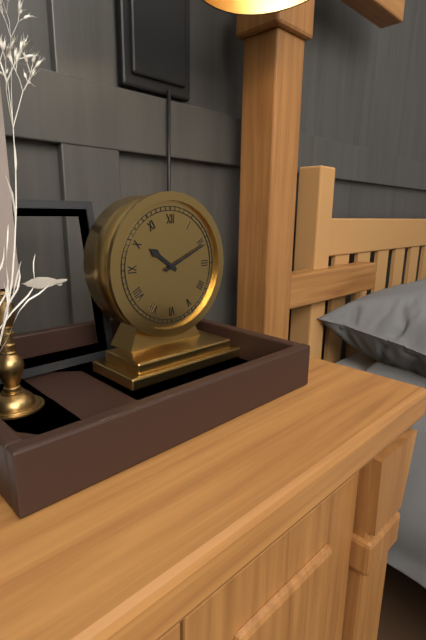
**10:11**
